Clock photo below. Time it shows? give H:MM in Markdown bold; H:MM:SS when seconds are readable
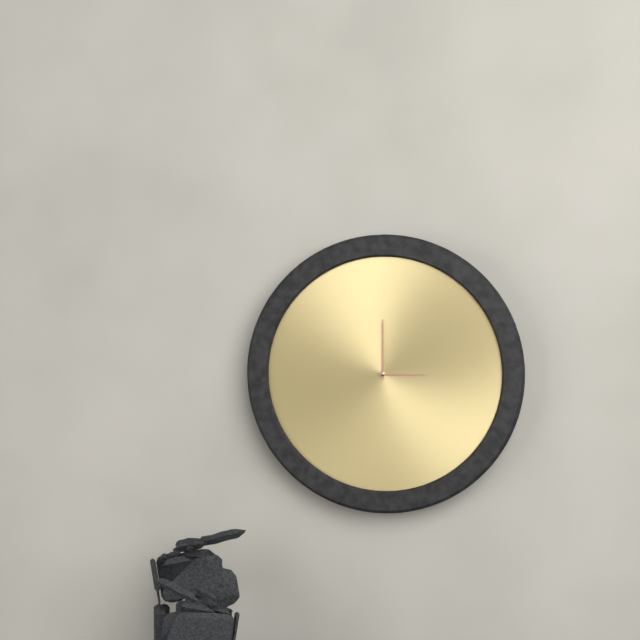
**3:00**
